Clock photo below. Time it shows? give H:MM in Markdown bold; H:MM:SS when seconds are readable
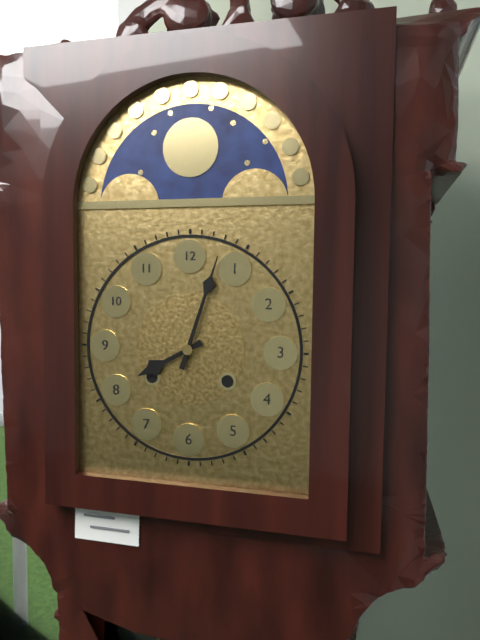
**8:03**
